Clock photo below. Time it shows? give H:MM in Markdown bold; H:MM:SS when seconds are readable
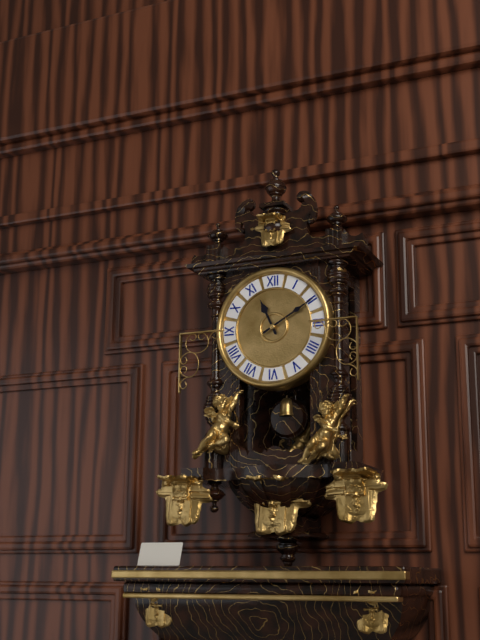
**11:10**
